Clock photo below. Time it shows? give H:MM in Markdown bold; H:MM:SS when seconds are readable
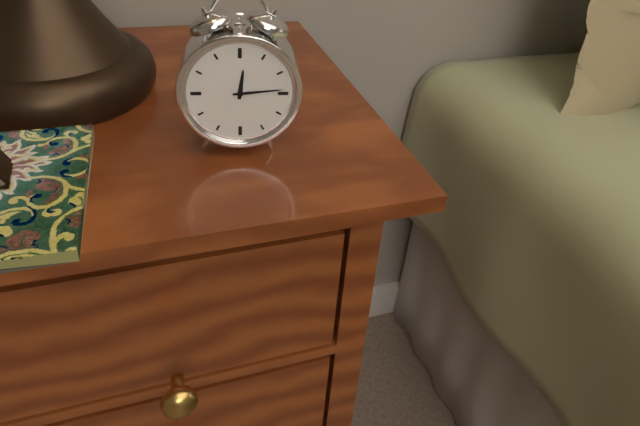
**12:14**
